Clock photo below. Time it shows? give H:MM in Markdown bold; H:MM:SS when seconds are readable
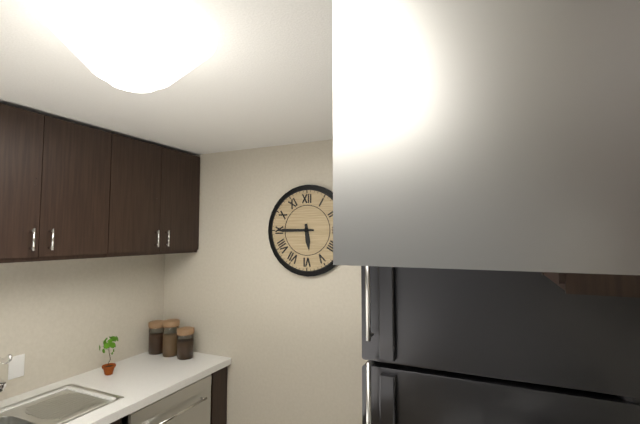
**5:45**
